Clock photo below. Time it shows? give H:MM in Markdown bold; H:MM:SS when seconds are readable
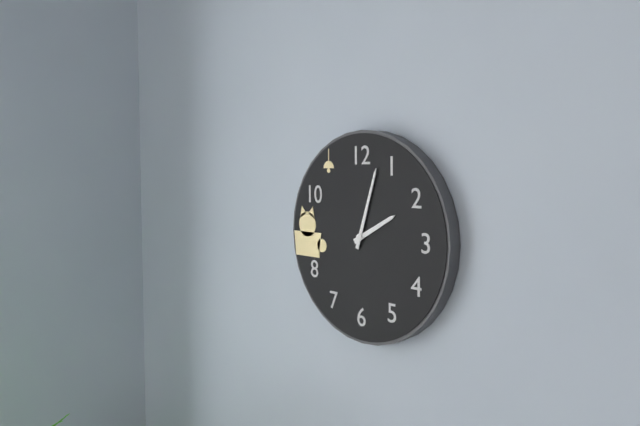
**2:03**
